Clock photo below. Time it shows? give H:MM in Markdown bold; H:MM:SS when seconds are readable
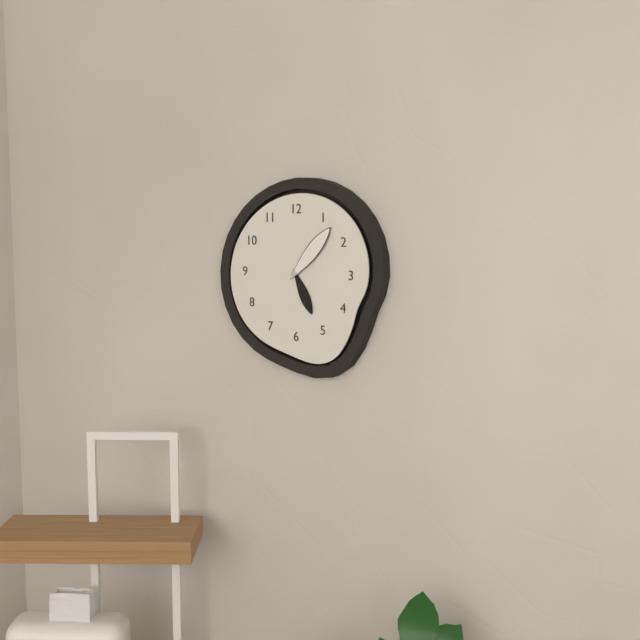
**5:07**
